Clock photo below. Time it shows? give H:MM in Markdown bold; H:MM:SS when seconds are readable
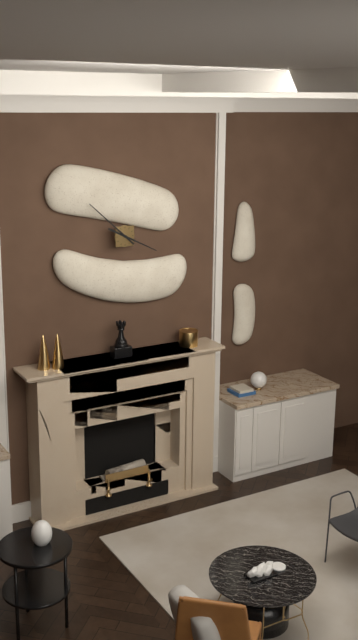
**3:52**
